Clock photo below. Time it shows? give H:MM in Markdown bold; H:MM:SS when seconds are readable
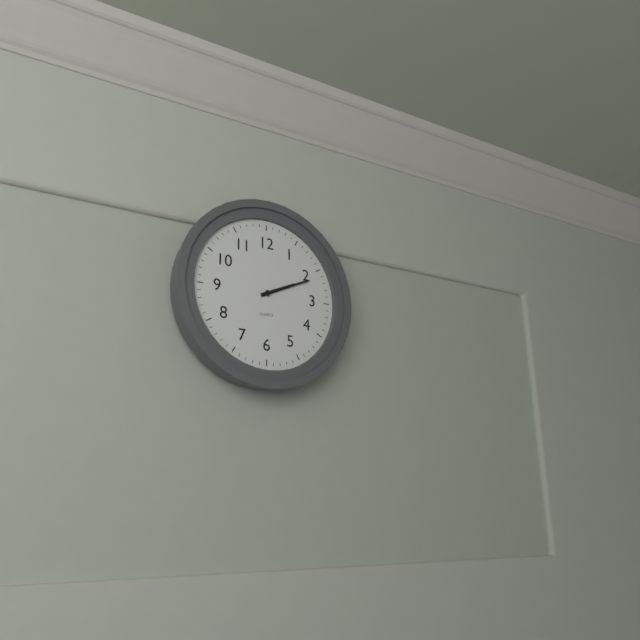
**2:11**
